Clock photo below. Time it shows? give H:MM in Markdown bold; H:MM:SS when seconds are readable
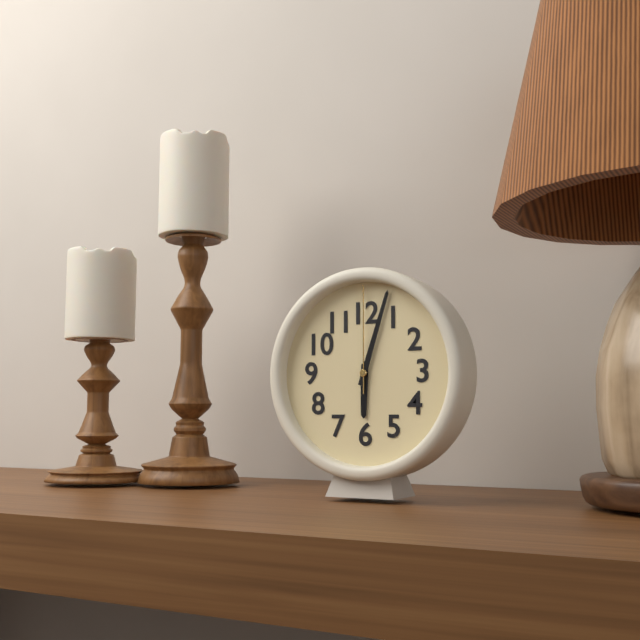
**6:03:00**
